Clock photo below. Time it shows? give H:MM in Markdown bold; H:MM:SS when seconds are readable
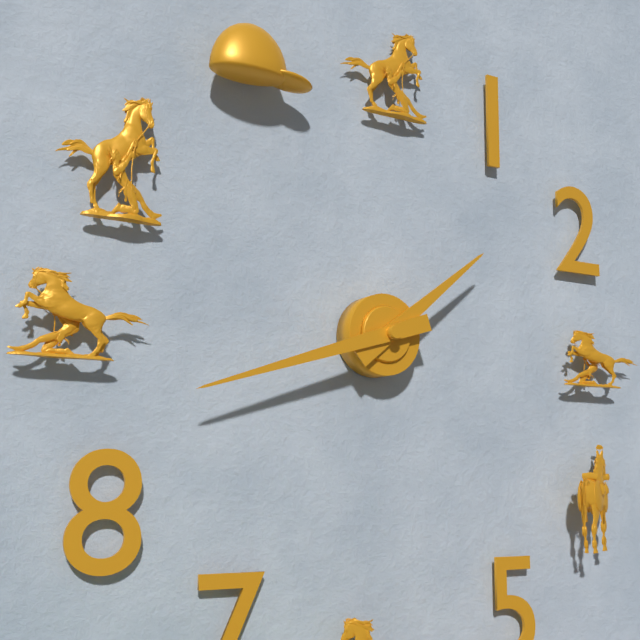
**1:42**
